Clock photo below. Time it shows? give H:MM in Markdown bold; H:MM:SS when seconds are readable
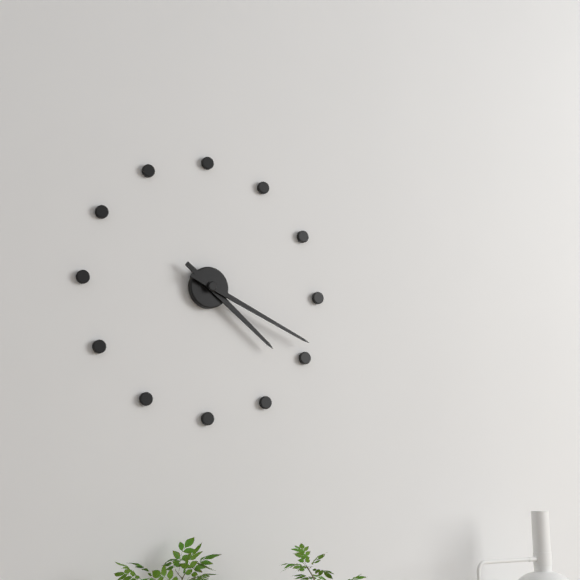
**4:19**
